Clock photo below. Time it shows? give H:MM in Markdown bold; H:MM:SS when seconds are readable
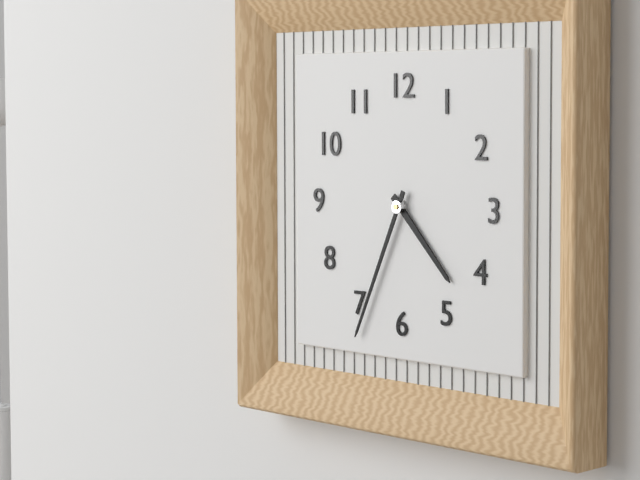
**4:34**
